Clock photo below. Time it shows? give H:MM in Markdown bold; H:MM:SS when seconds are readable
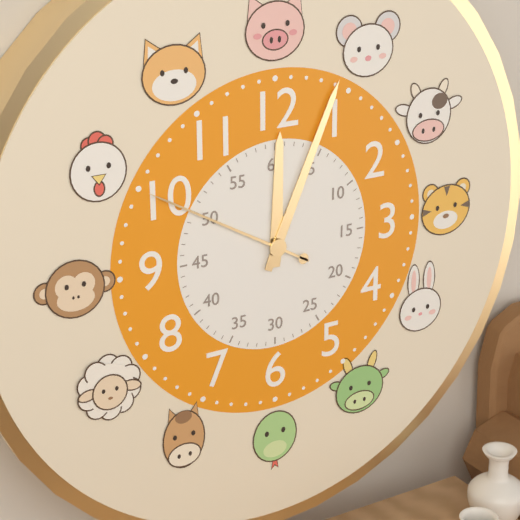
**12:04:50**
